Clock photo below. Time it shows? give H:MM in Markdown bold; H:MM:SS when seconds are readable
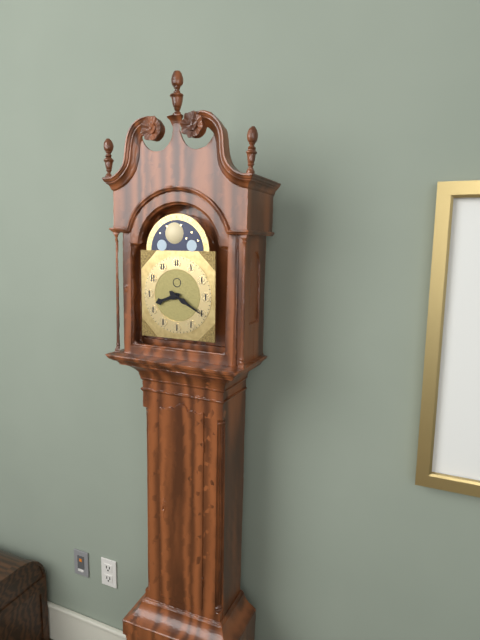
**8:20**
